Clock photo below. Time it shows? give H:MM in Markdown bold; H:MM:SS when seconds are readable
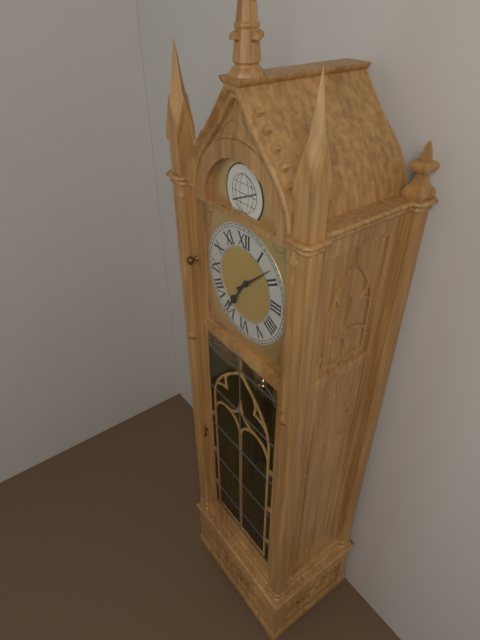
**7:08**
